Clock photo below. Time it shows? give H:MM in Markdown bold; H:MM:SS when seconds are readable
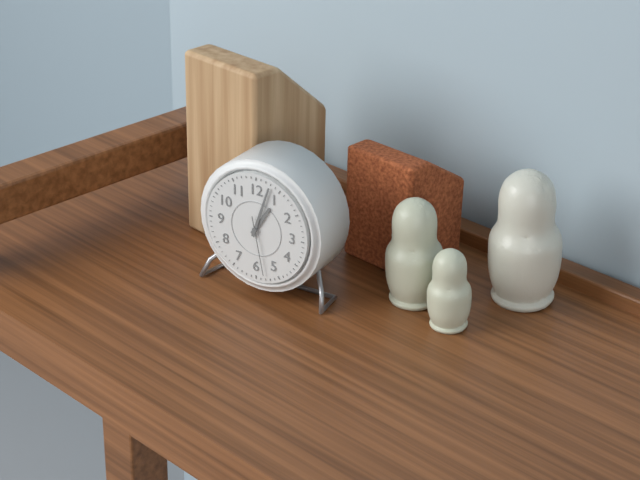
**1:03:28**
